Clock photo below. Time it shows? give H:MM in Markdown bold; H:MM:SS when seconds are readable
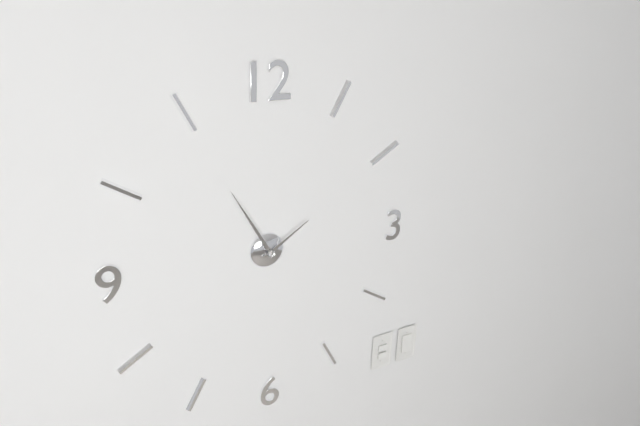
**1:55**
